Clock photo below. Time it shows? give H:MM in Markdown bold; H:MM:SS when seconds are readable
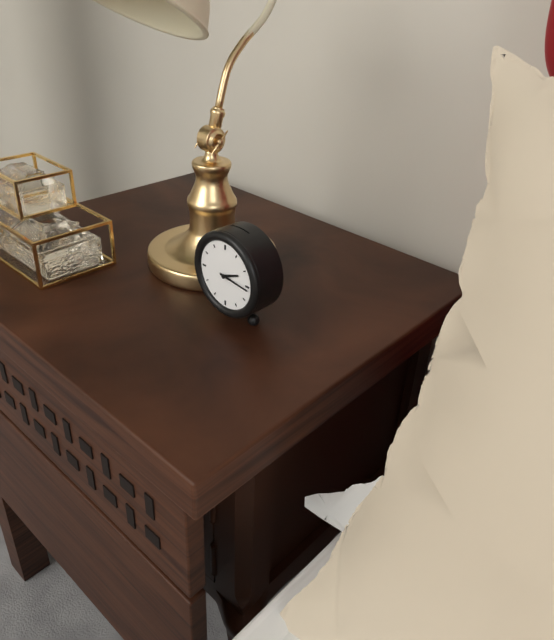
**2:16**
